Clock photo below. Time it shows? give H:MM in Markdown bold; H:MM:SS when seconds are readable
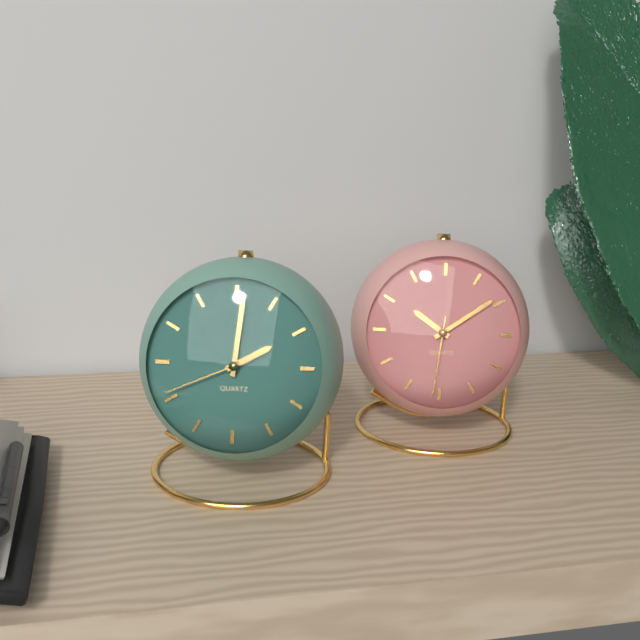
**2:01:41**
